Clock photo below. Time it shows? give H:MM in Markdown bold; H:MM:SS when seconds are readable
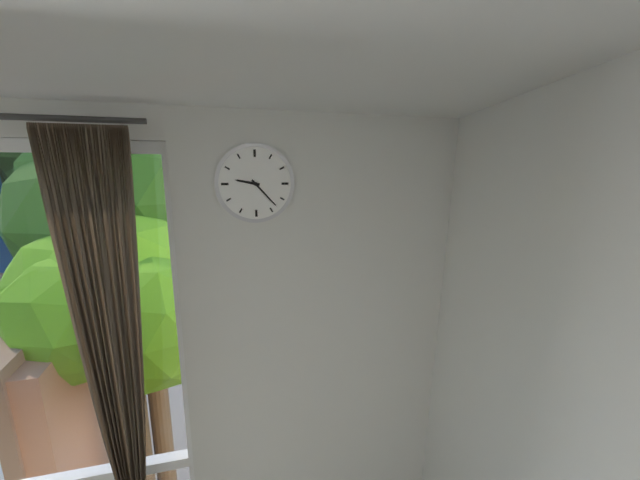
**9:23**
